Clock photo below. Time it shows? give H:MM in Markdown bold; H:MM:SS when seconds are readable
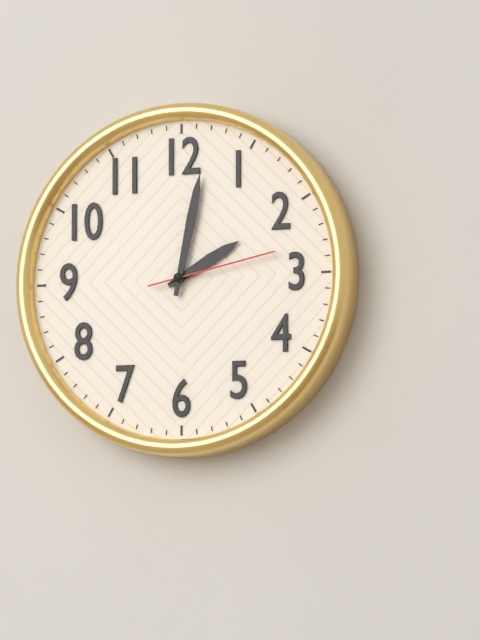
**2:02:13**
